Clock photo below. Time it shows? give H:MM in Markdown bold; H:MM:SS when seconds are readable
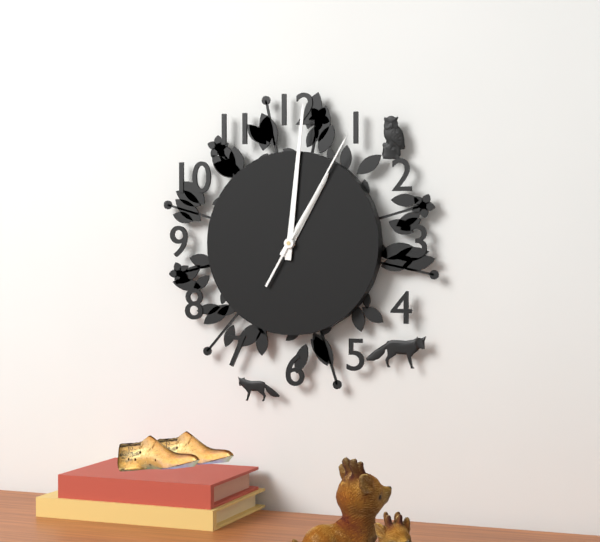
**1:01:05**
